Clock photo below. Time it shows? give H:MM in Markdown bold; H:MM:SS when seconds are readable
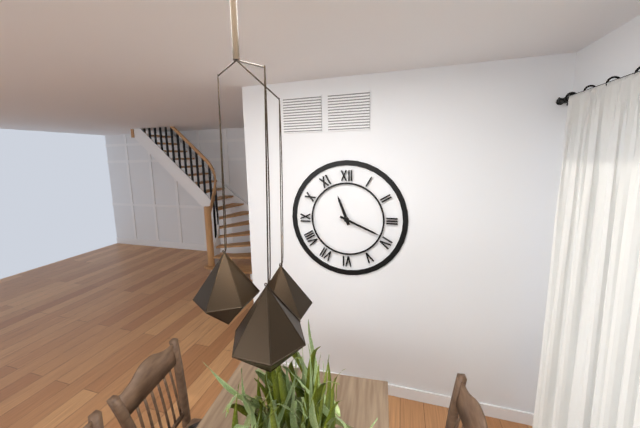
**11:19**
